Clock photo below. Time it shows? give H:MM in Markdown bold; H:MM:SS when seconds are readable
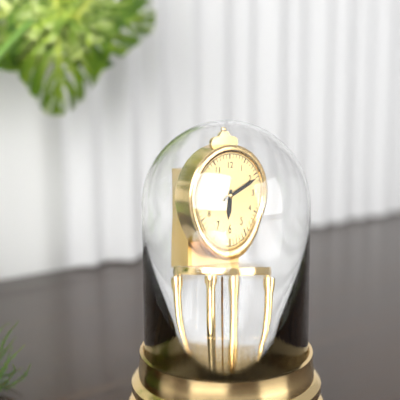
**6:11**
